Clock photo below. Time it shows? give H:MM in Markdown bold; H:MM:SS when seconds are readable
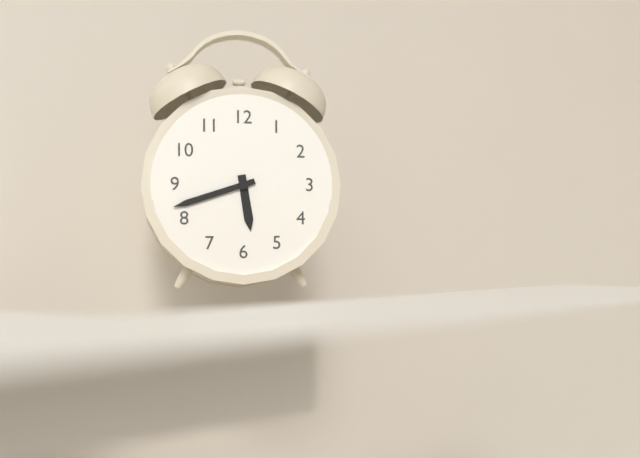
**5:42**
